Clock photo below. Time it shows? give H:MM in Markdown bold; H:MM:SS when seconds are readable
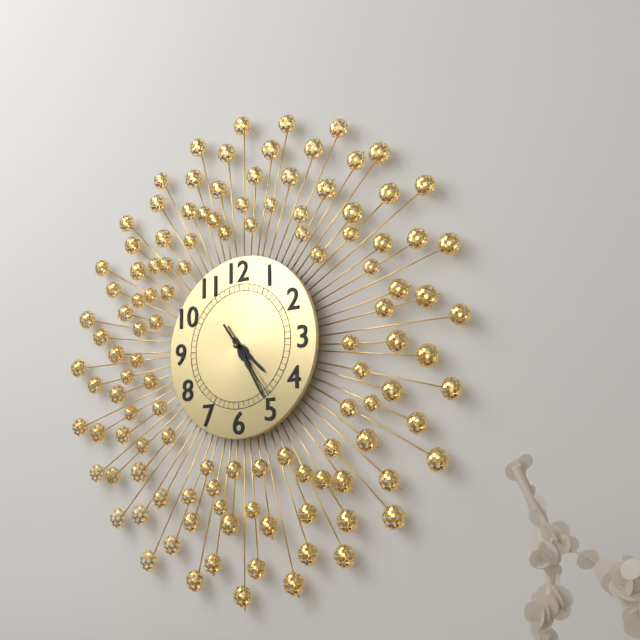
**4:25:24**
